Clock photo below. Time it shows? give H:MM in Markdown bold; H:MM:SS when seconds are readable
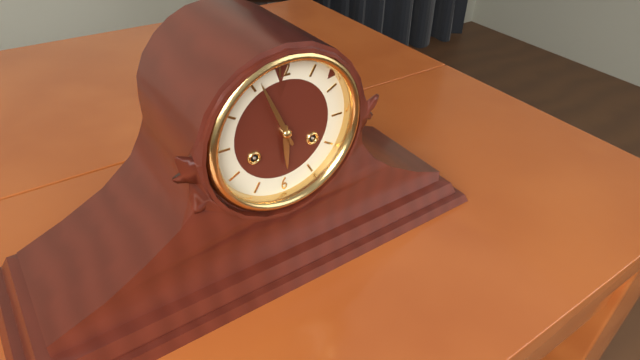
**5:56**
